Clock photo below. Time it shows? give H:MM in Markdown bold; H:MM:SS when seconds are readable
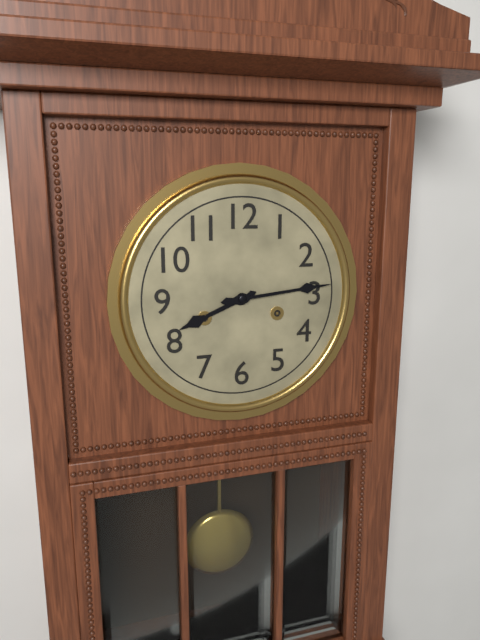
**8:14**
